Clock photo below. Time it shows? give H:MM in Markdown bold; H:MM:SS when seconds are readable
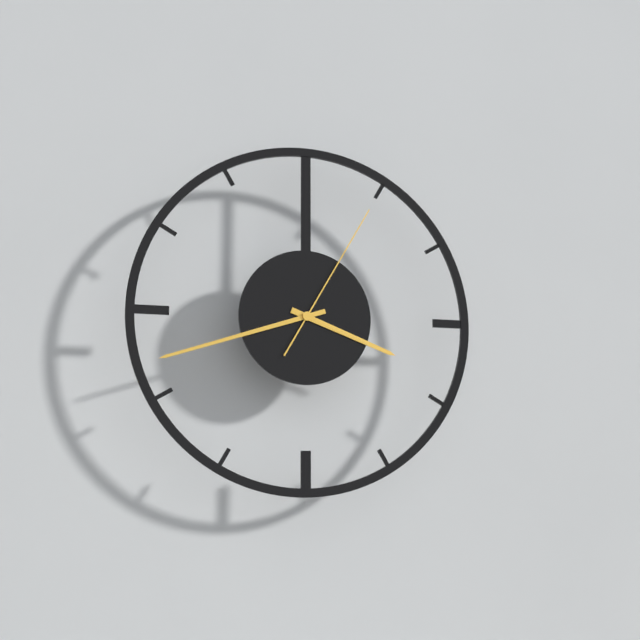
**3:42:05**
